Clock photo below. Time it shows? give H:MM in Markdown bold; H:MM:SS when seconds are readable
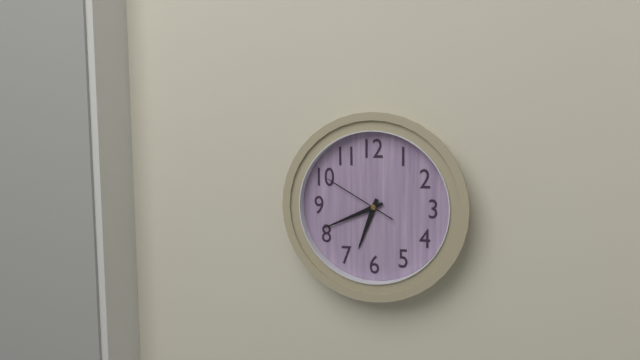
**6:41:50**
